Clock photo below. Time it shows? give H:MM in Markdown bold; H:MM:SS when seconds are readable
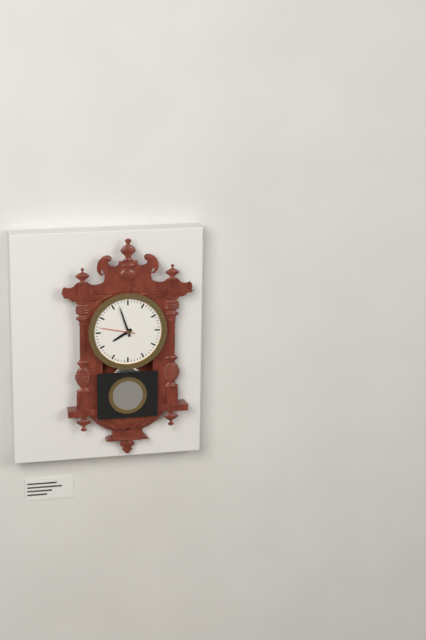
**7:57**
